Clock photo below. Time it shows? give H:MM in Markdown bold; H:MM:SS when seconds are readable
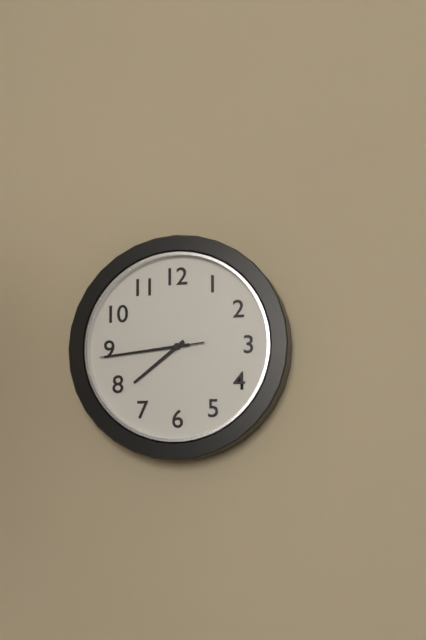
**7:44:44**
